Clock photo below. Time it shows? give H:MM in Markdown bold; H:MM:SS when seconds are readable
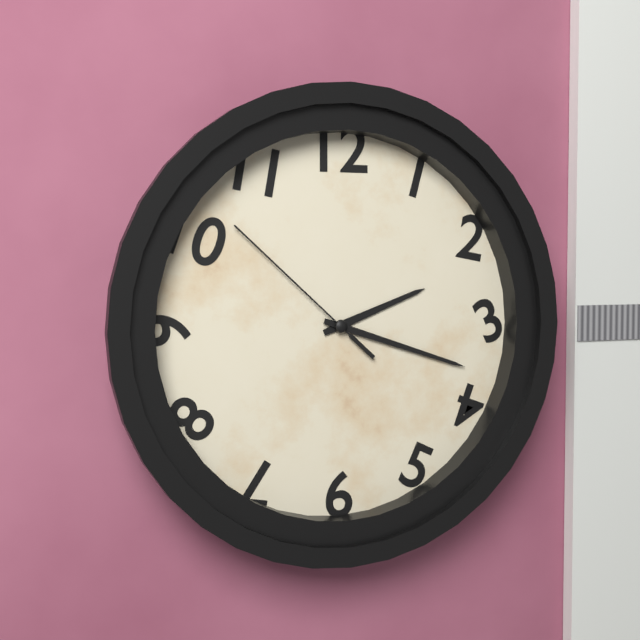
**2:18:52**
